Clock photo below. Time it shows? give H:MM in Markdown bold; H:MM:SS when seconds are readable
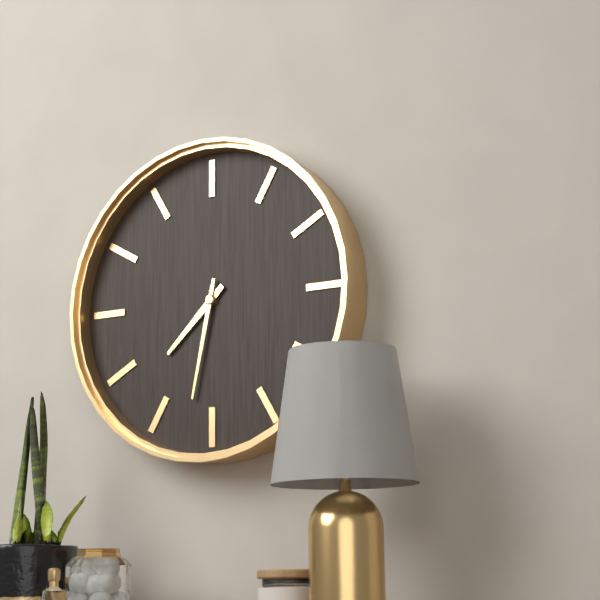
**7:32**
